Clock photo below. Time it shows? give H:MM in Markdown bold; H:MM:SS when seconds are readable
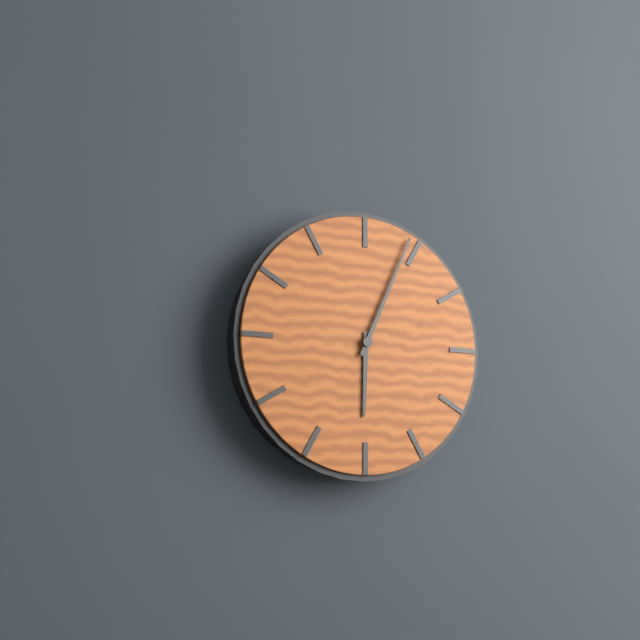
**6:04**
